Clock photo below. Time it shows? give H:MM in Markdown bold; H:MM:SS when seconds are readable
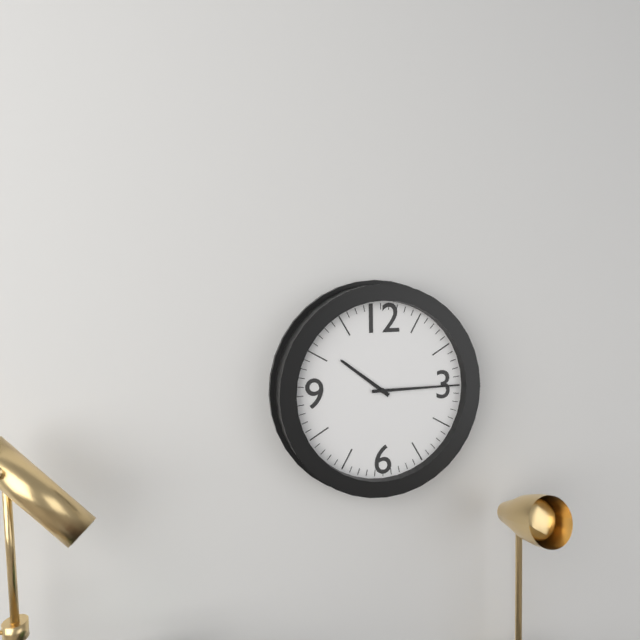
**10:15**
